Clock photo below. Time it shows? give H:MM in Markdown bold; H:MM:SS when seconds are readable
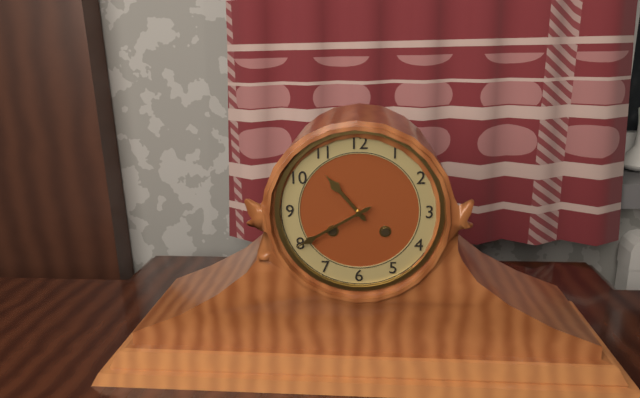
**10:40**
